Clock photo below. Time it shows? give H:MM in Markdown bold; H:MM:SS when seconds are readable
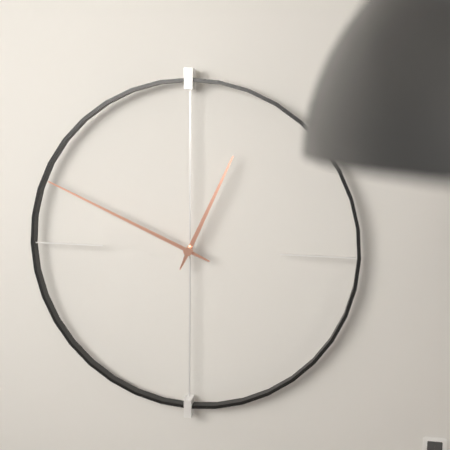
**12:49**
